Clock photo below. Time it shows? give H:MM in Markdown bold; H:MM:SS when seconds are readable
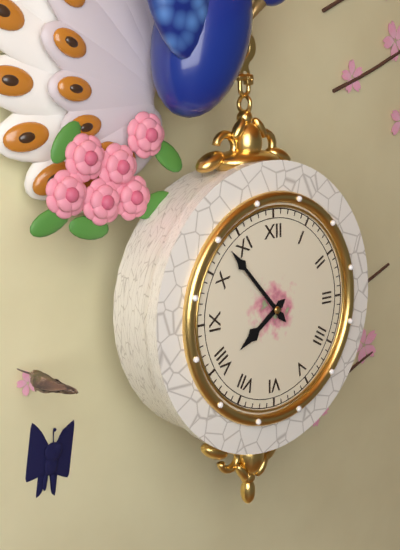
**7:53**
